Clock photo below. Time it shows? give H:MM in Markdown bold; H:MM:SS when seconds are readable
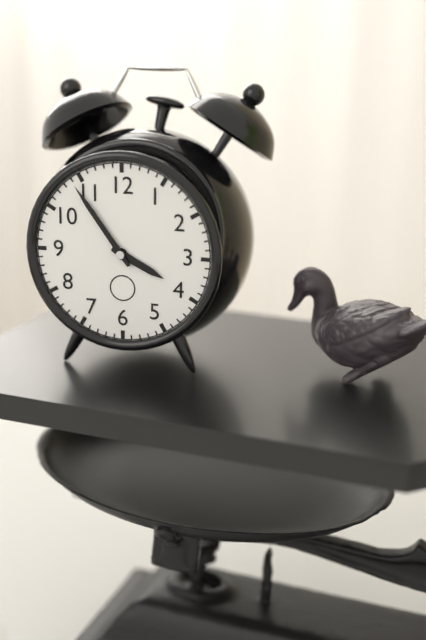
**3:54**
